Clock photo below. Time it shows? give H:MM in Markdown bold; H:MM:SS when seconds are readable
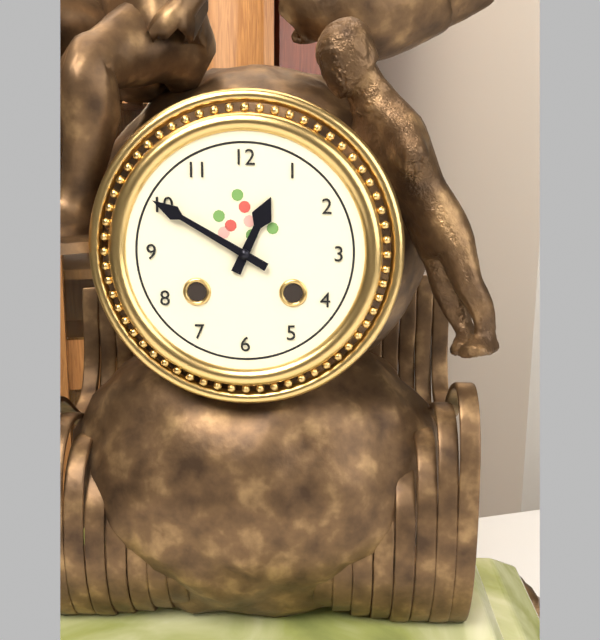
**12:50**
